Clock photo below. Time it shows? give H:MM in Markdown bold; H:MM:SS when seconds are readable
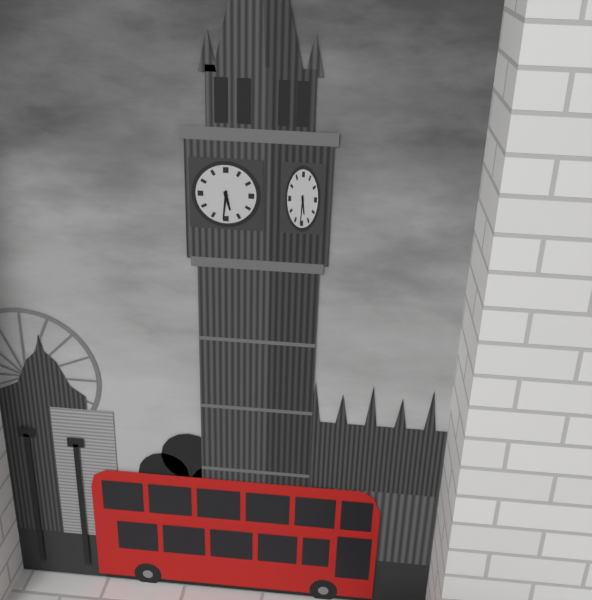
**5:31**
